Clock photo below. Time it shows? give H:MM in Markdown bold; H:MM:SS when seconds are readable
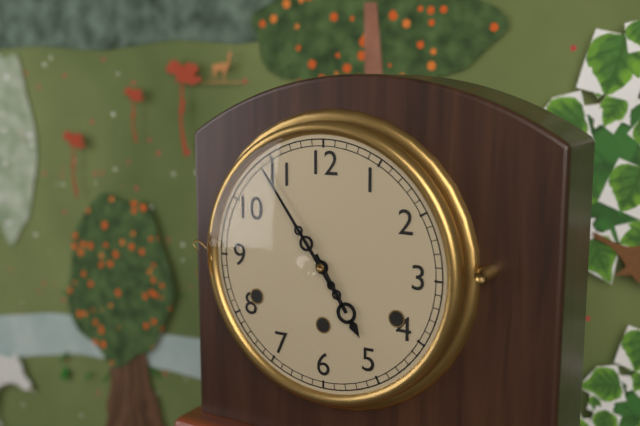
**4:54**
